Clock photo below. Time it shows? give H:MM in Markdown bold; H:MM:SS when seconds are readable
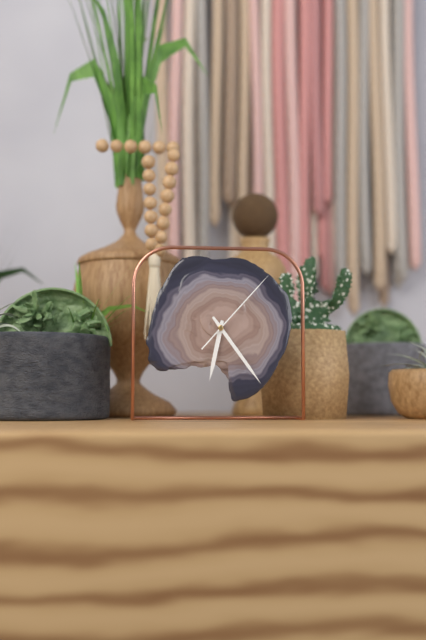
**6:24:07**
